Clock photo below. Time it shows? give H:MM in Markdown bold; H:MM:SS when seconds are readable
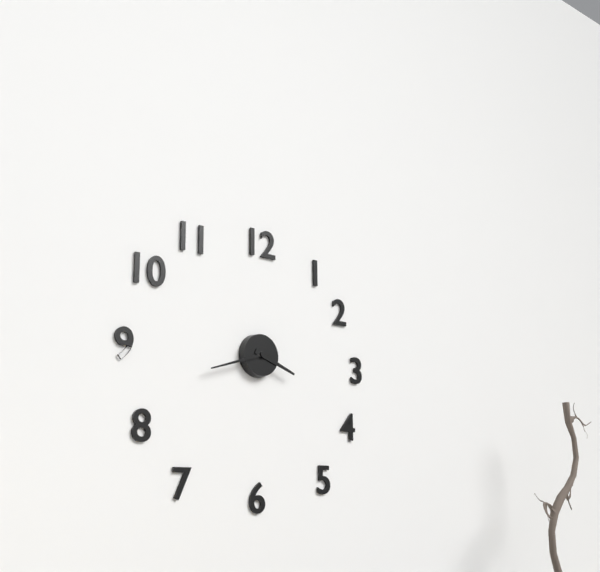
**3:42**
